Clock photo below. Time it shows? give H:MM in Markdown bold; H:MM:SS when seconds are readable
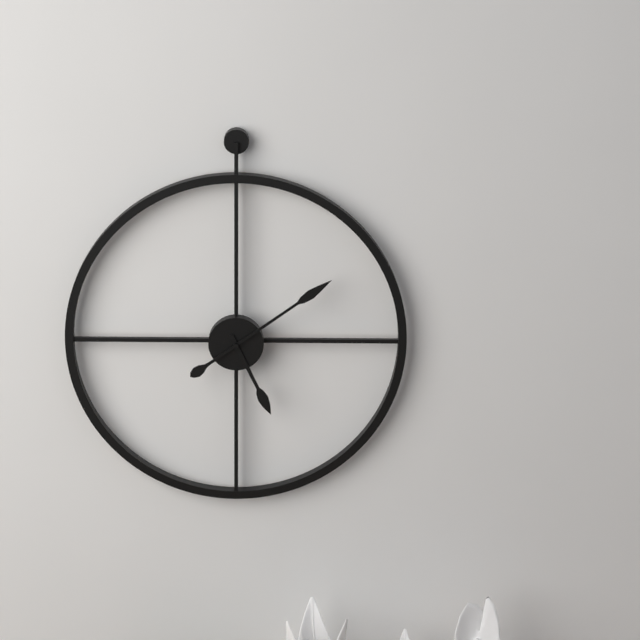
**5:09**
